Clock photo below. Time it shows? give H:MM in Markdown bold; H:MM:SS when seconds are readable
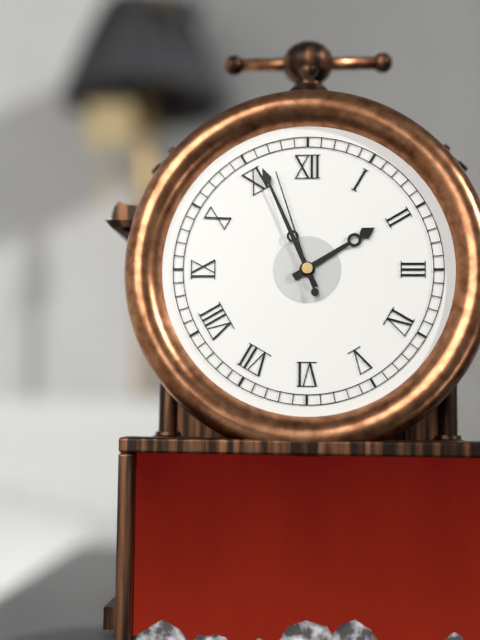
**1:56:57**
